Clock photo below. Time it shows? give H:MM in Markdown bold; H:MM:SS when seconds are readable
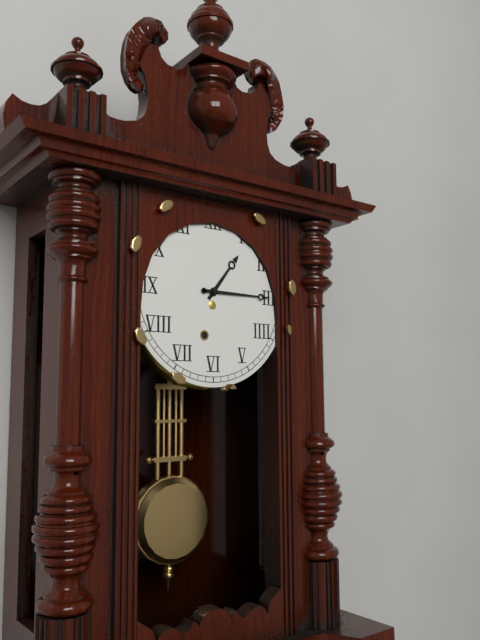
**1:15**
